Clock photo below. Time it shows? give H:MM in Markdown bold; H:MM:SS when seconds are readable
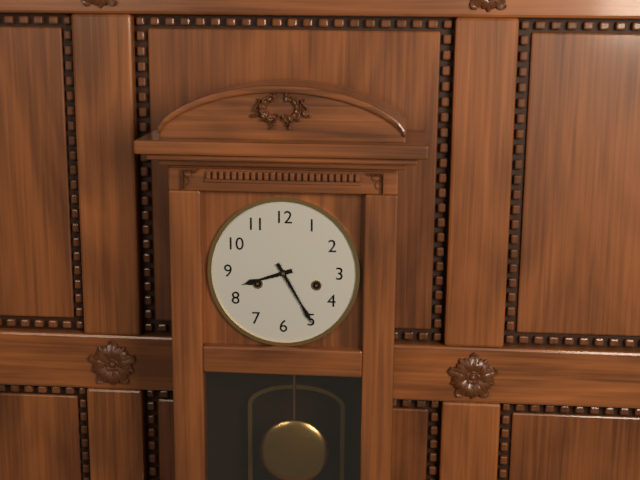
**8:25**
